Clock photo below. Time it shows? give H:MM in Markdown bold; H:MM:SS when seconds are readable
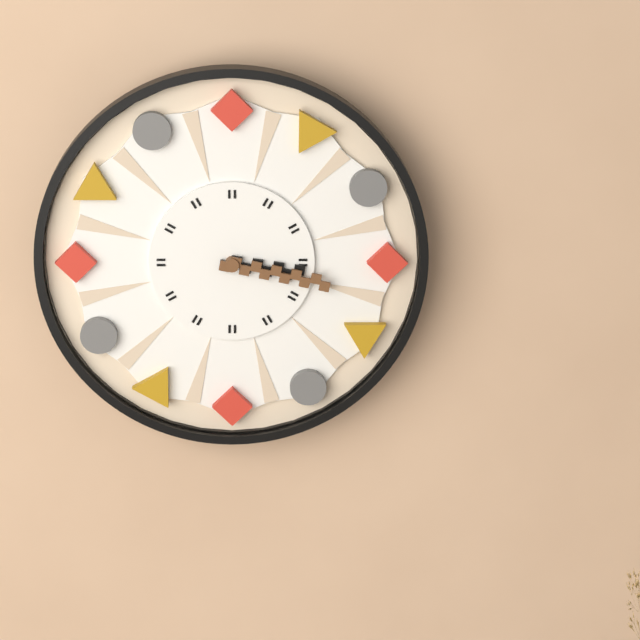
**3:17**
